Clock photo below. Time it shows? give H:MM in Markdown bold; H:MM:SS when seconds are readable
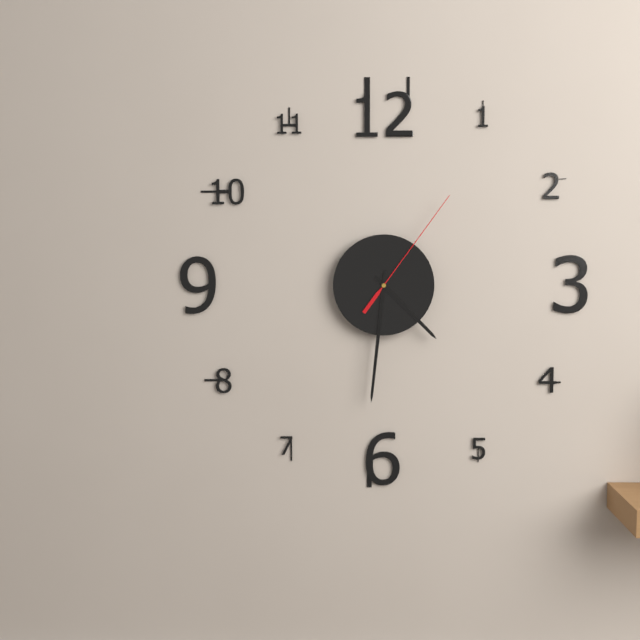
**4:31:06**
